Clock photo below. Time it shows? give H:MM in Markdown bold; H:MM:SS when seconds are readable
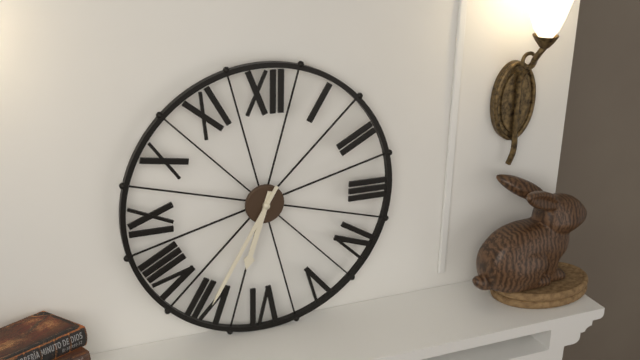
**6:35**
